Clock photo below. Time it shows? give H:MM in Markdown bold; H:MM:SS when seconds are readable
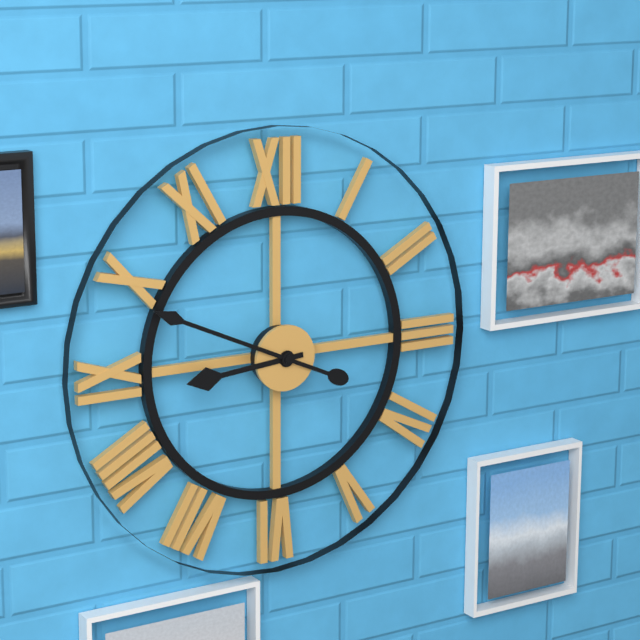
**8:49**
